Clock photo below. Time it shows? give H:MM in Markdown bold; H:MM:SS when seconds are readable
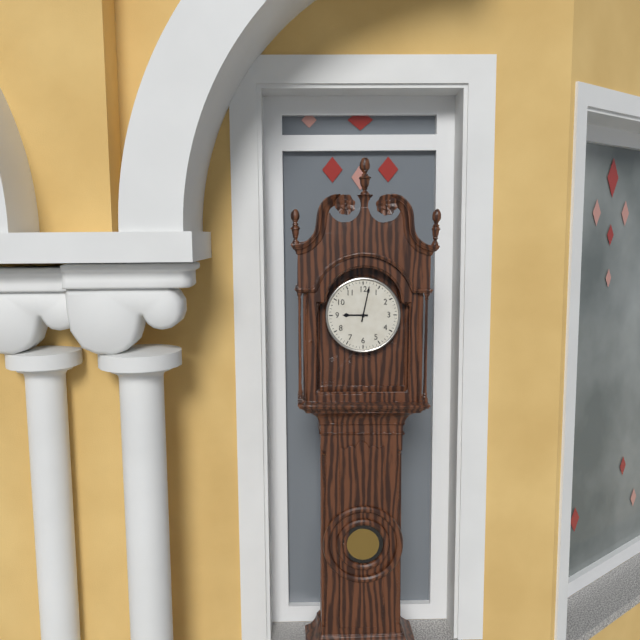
**9:02**
